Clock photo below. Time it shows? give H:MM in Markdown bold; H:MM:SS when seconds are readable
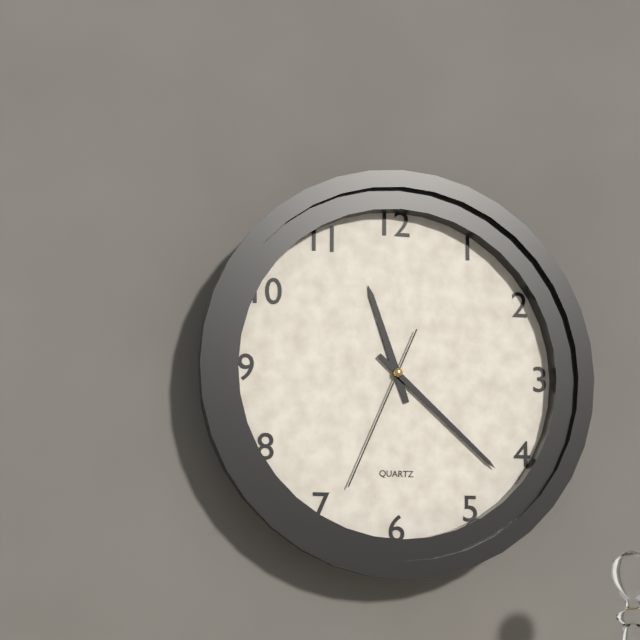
**11:22:34**
